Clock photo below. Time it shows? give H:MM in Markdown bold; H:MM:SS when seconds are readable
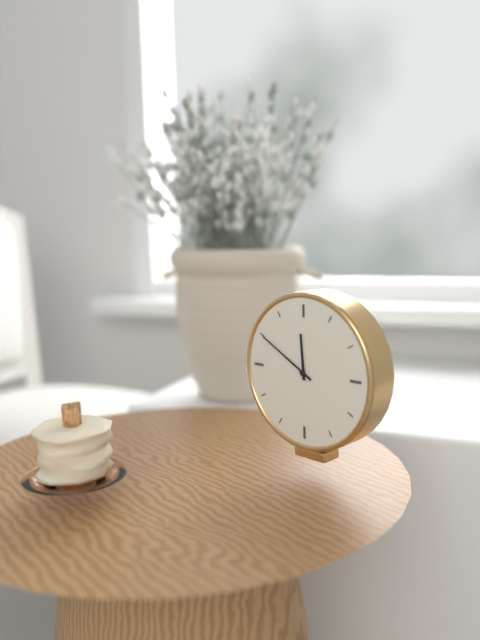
**11:50**
